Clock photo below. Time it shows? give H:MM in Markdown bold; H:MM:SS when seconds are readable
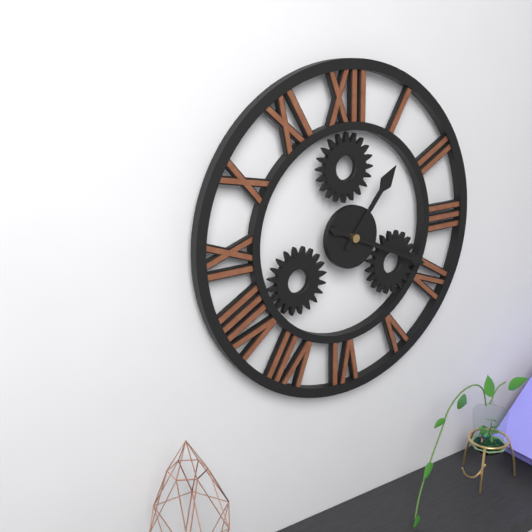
**1:19**
